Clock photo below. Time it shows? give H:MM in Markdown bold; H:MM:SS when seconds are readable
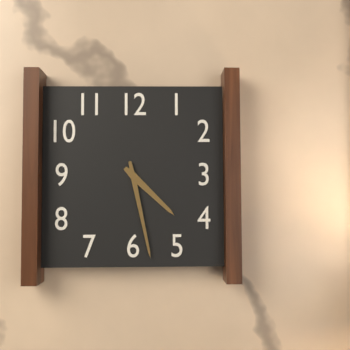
**4:28**
